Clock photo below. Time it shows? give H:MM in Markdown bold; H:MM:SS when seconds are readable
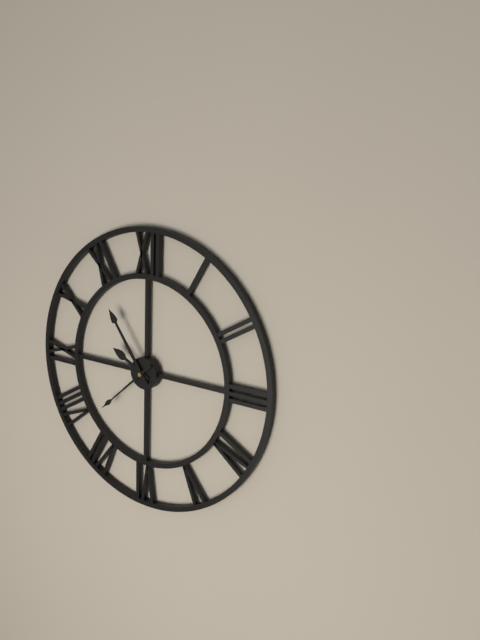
**9:54:38**
